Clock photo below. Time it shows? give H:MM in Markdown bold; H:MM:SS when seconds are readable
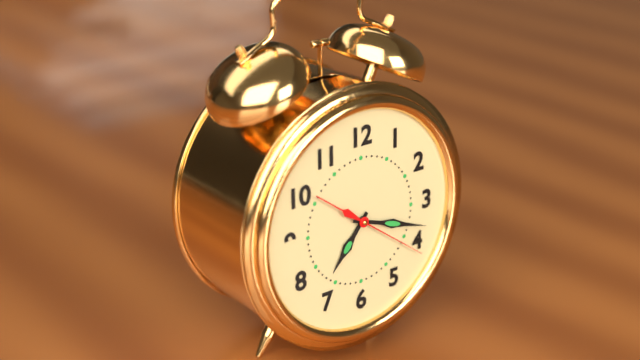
**7:18:21**
